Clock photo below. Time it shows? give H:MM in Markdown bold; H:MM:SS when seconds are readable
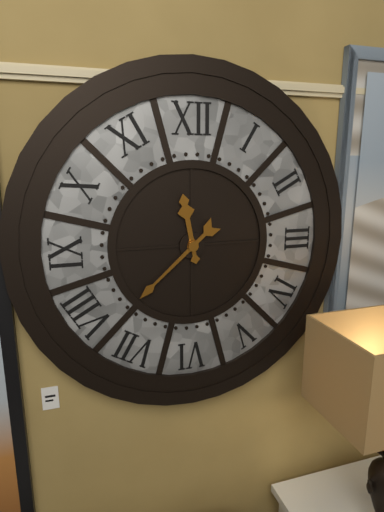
**11:38**
